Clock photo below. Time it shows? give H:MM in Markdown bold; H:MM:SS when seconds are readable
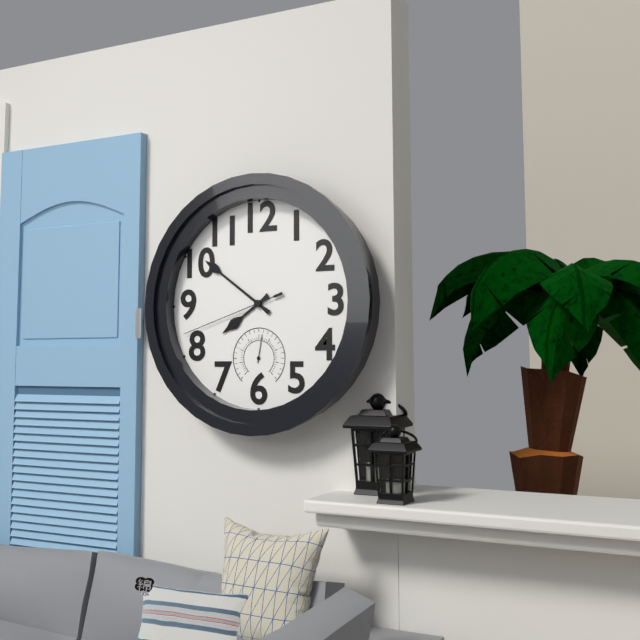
**7:51:42**
